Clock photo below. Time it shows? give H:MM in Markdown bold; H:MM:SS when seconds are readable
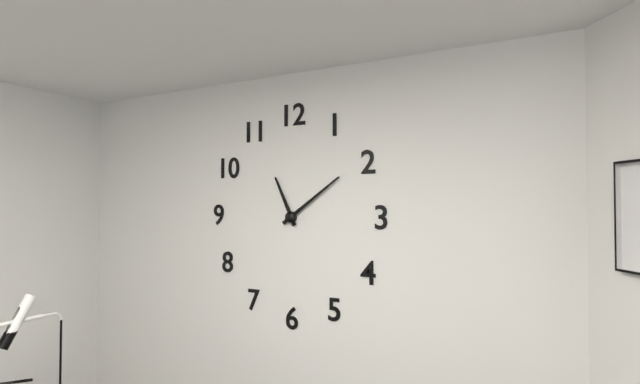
**11:09**
